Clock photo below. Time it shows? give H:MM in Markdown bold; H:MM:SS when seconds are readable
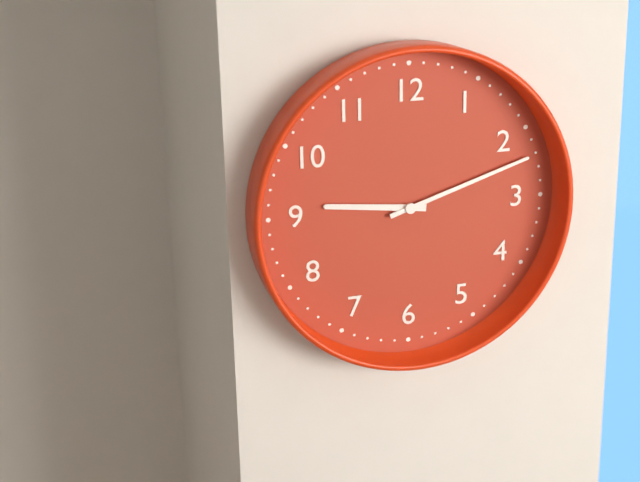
**9:12**
